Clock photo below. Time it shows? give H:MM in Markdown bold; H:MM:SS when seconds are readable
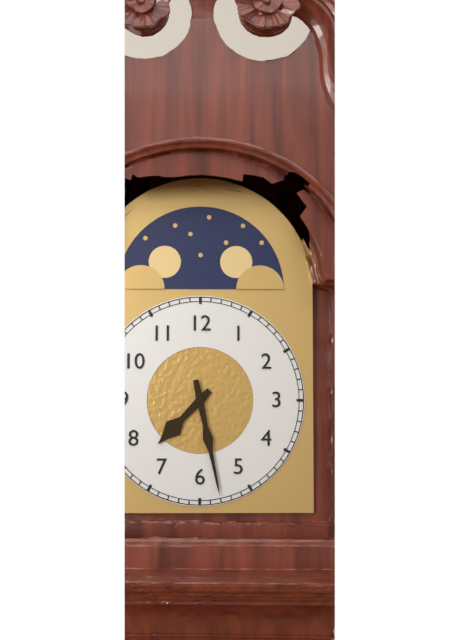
**7:28**
